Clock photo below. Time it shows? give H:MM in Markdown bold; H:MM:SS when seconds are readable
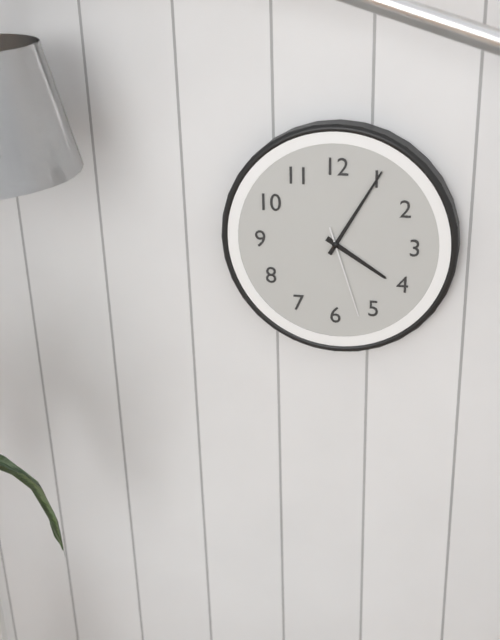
**4:05:27**
